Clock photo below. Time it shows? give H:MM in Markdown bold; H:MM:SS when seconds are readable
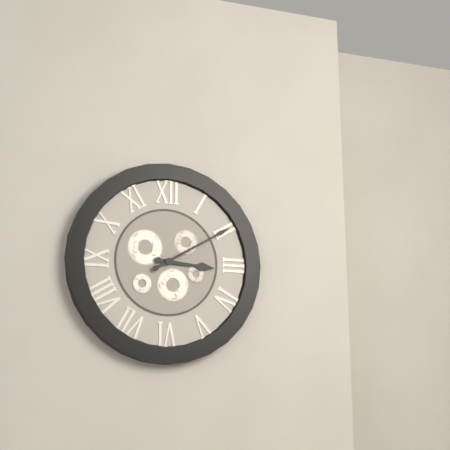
**3:10**
